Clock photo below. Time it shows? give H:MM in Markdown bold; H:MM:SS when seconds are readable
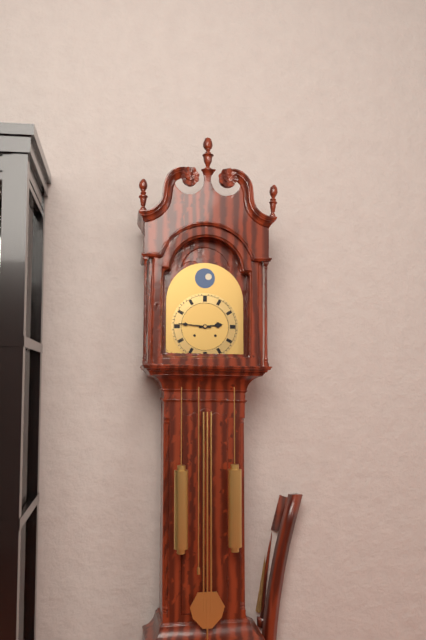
**2:46**
